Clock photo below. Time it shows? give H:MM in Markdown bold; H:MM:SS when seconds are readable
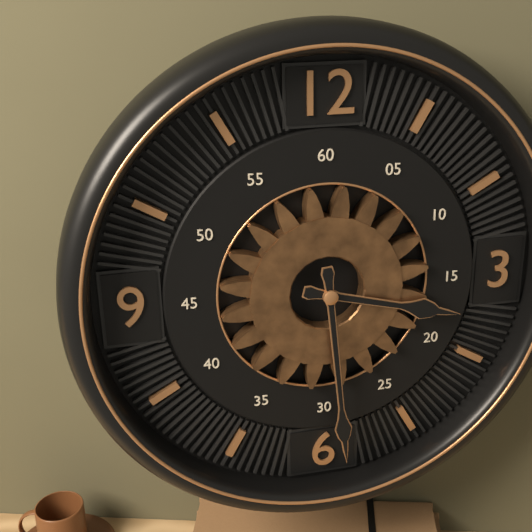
**3:29**
